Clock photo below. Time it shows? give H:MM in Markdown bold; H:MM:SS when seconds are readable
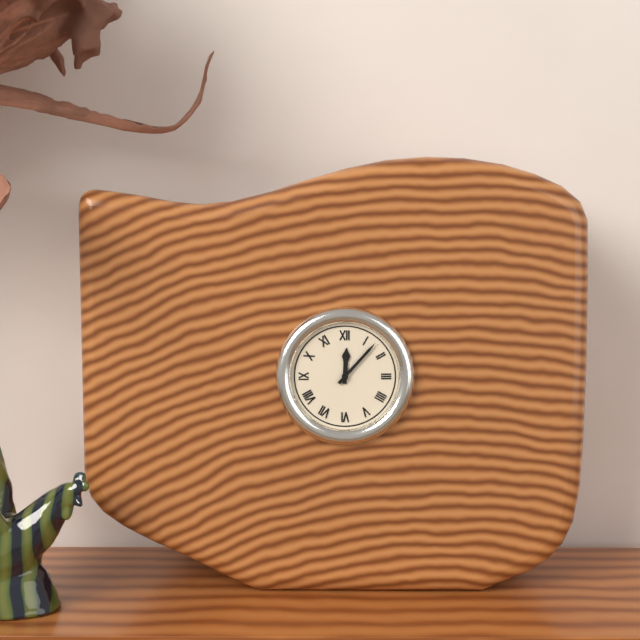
**12:07**
